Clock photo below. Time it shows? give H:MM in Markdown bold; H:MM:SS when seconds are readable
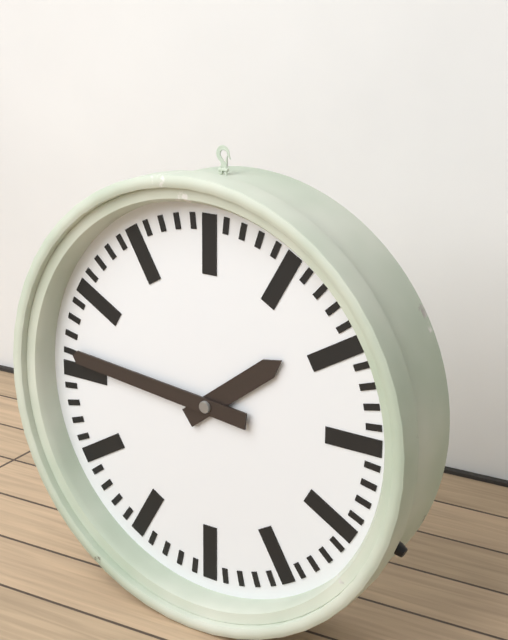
**1:46**
